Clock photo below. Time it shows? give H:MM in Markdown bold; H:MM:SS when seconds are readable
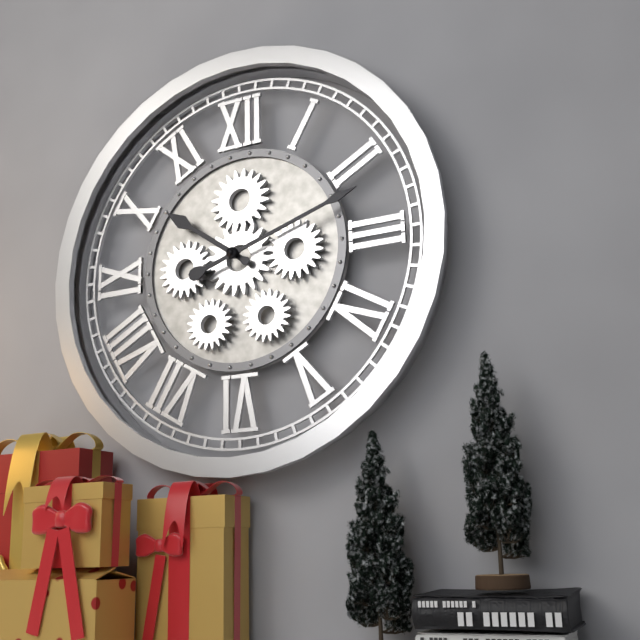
**10:12**
